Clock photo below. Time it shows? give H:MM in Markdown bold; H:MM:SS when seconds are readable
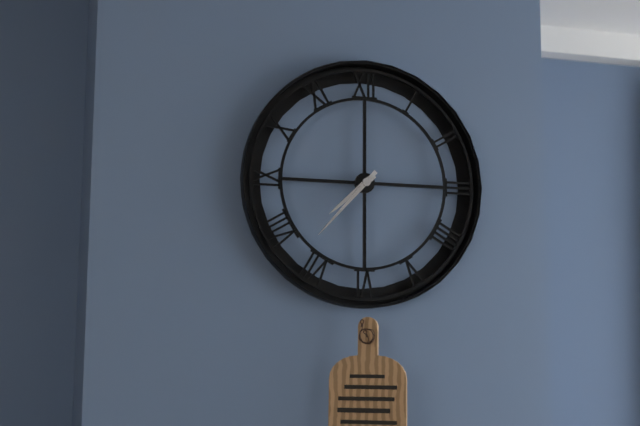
**7:37**
